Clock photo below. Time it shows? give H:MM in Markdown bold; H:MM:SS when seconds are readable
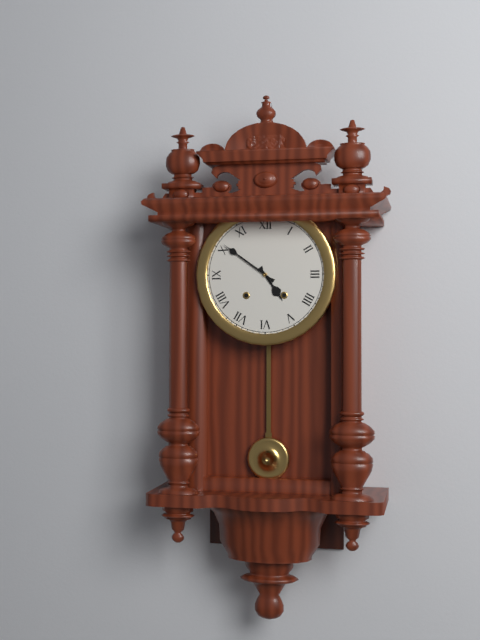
**4:51**
